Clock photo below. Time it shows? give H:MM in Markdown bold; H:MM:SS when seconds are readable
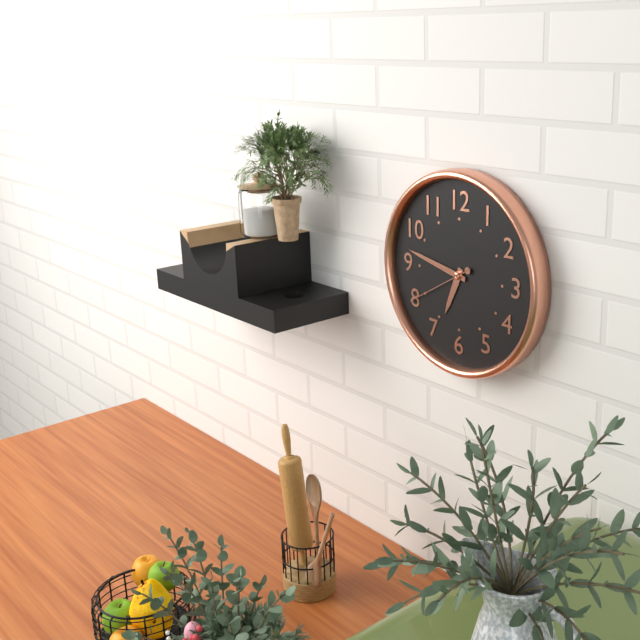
**6:47:40**
